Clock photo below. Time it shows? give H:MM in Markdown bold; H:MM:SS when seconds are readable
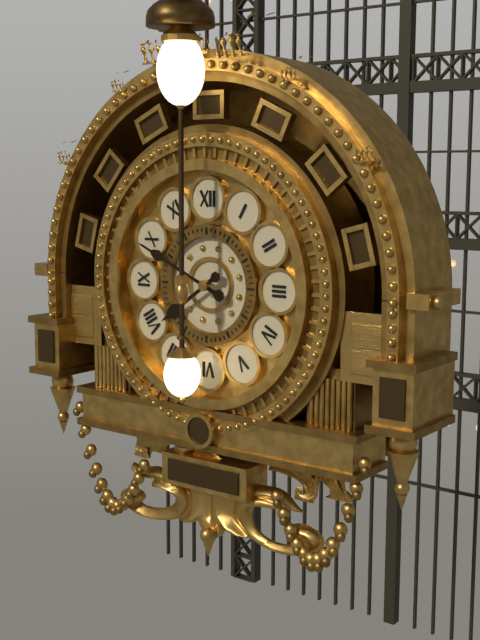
**7:49**
